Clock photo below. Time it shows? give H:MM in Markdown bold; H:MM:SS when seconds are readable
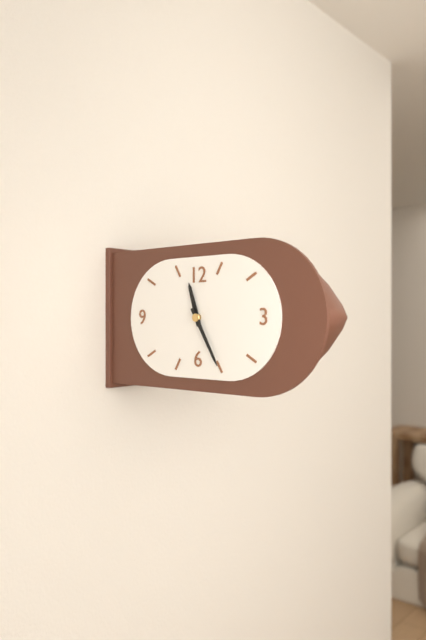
**11:25**
